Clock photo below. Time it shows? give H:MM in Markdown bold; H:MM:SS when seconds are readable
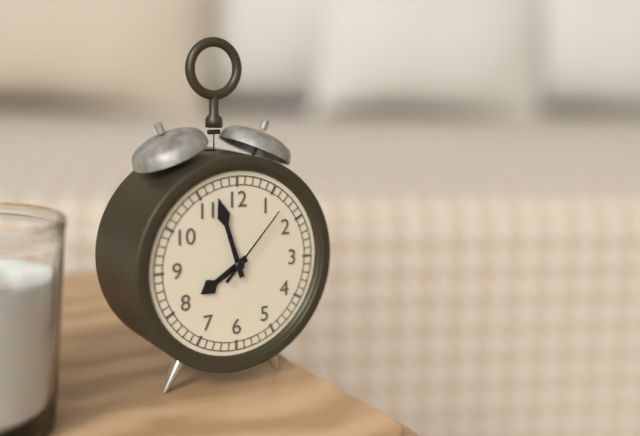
**7:57:07**
